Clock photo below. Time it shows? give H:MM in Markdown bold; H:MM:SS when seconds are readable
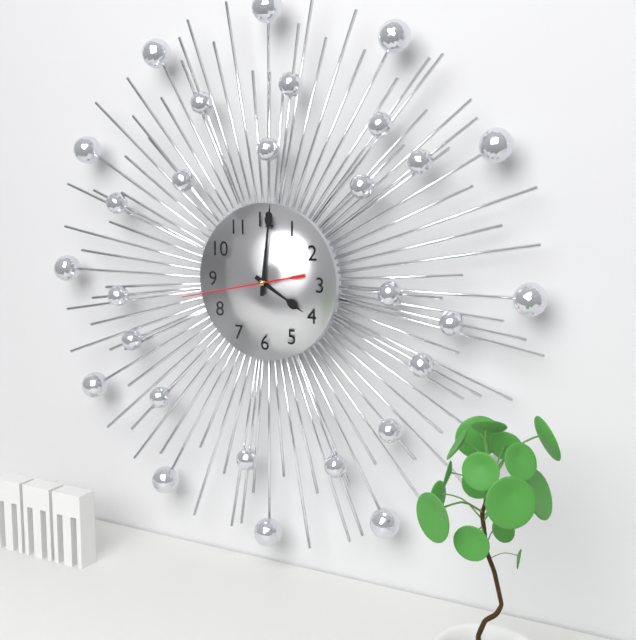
**4:01:43**
